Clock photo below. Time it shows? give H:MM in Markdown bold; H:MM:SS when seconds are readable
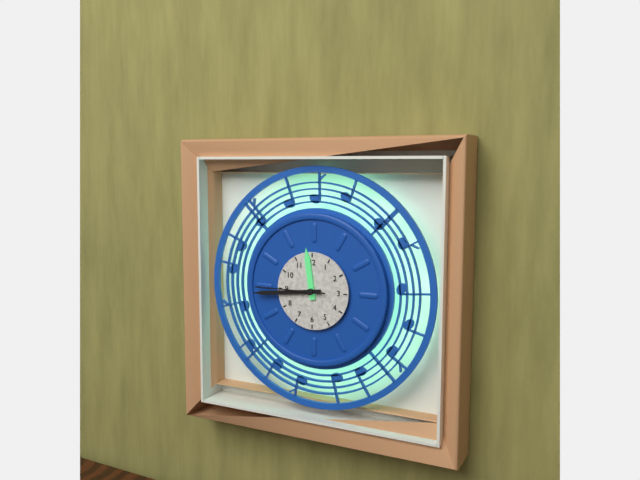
**11:44:45**
